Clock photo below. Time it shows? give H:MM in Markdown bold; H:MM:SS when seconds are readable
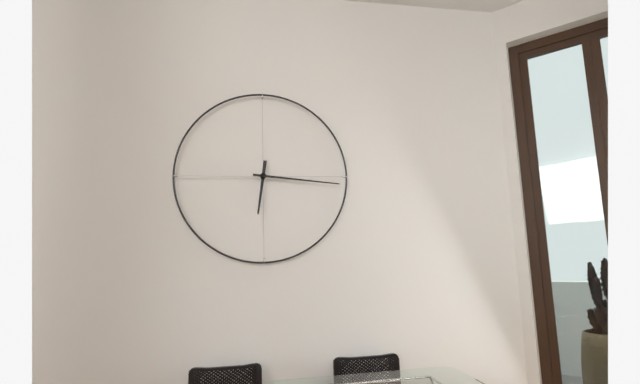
**6:16**
